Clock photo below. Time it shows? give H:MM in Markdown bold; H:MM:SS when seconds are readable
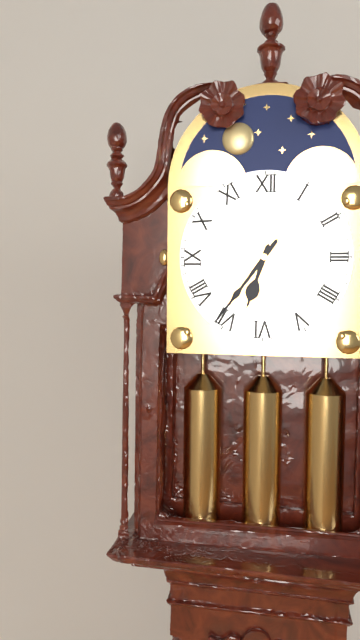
**6:36**
